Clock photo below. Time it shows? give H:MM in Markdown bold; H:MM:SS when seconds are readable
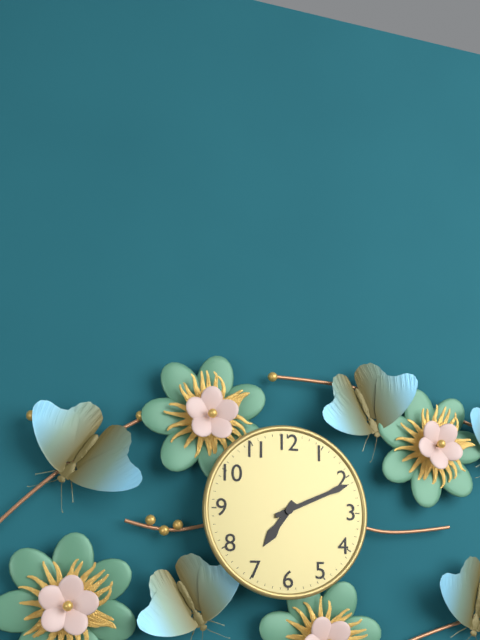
**7:11**
